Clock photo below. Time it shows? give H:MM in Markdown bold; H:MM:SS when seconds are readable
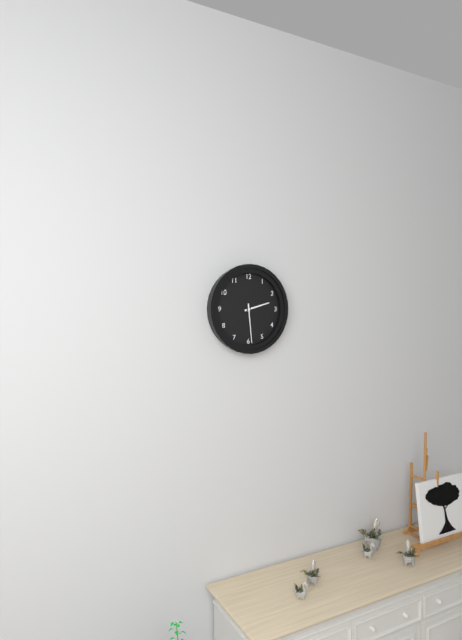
**2:29**
